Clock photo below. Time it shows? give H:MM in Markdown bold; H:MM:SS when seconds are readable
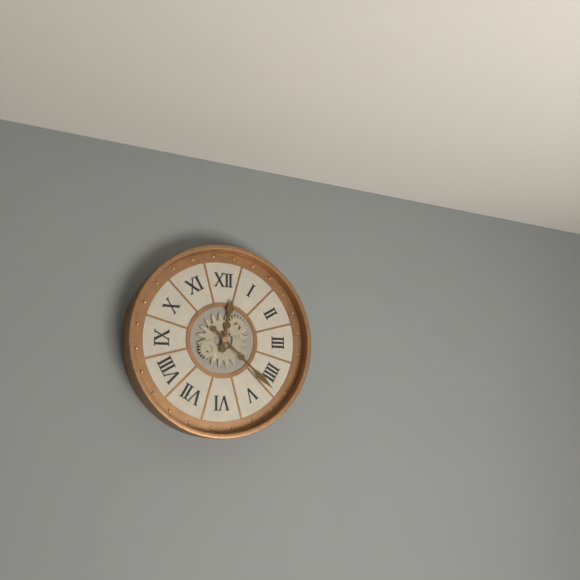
**12:22**
